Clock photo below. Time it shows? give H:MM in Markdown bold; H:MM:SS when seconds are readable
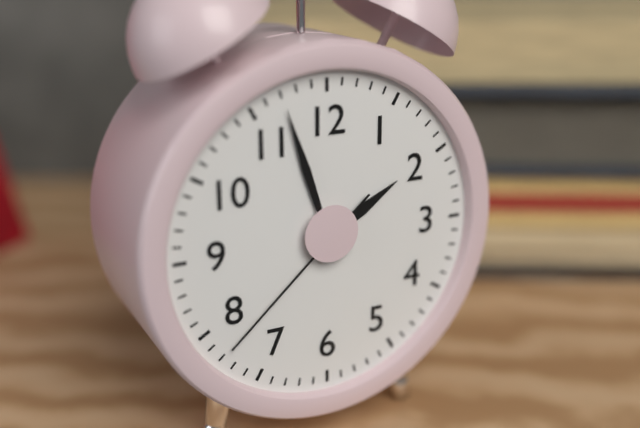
**1:57:38**
